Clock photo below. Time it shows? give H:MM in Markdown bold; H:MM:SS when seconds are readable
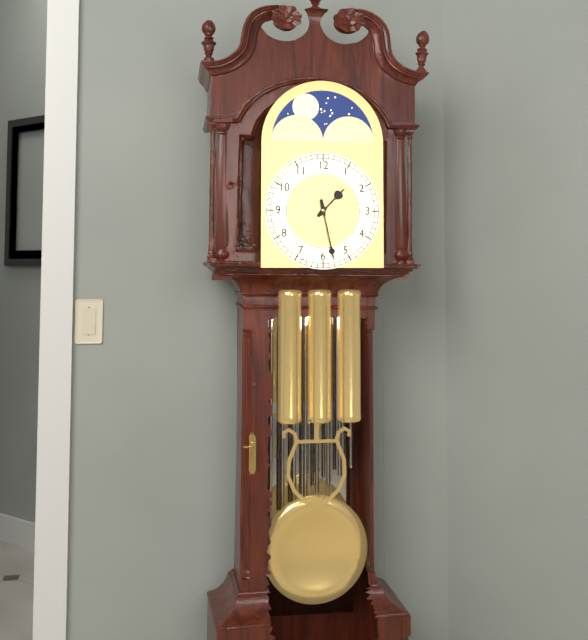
**1:28**
